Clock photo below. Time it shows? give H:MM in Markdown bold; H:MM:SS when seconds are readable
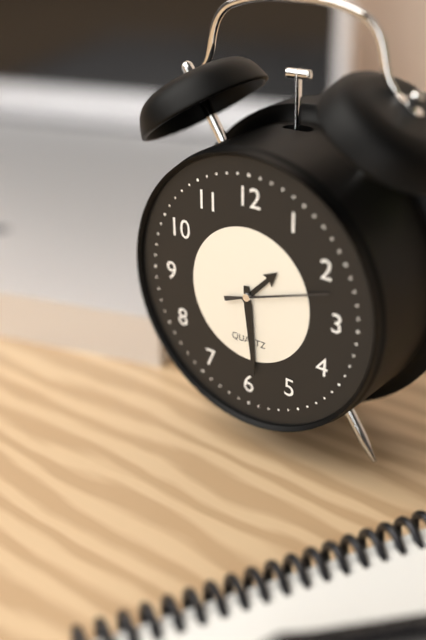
**1:29:12**
